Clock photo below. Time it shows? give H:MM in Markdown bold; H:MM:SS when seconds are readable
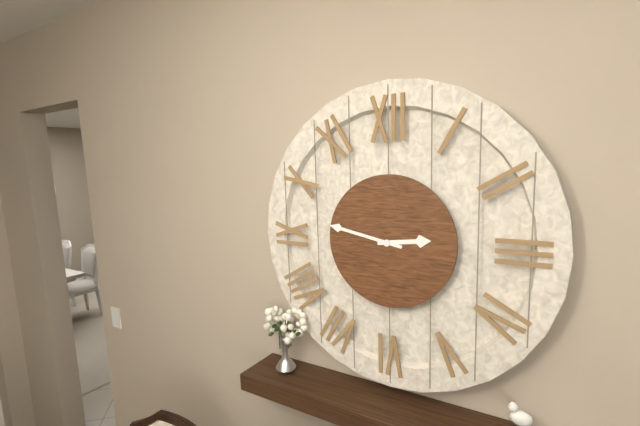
**2:47**
